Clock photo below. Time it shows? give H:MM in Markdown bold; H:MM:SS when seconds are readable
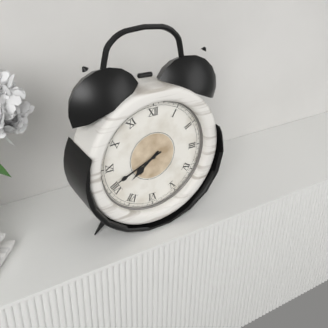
**7:41**
